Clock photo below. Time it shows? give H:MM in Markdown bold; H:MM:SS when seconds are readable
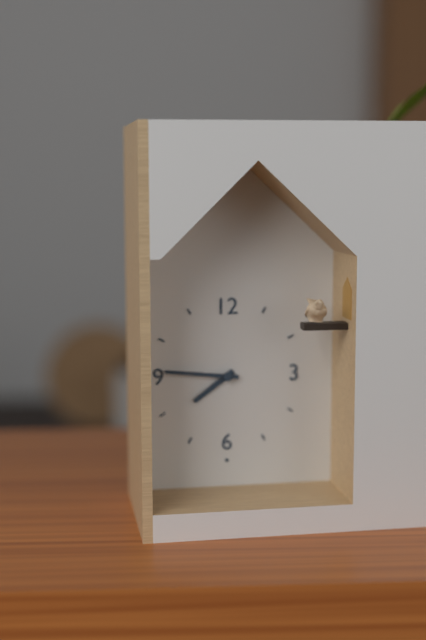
**7:46**
